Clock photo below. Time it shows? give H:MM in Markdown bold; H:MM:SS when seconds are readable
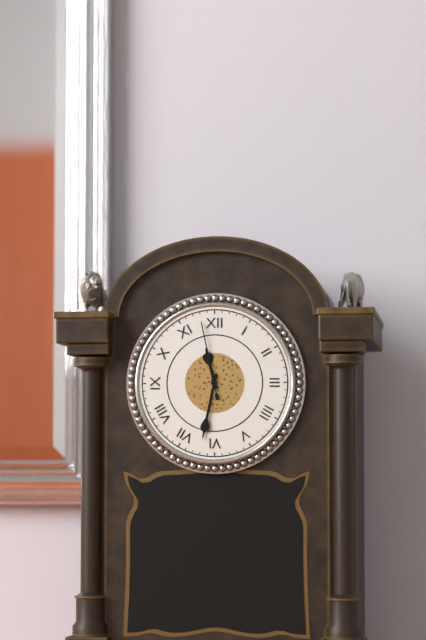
**11:32:58**
